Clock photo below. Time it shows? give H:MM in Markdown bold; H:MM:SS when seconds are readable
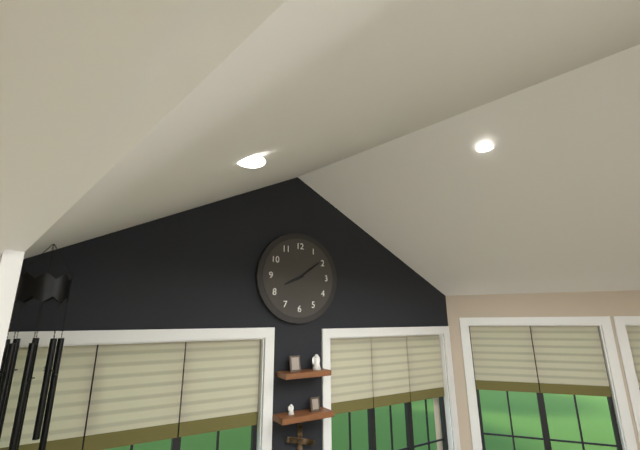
**8:09**
